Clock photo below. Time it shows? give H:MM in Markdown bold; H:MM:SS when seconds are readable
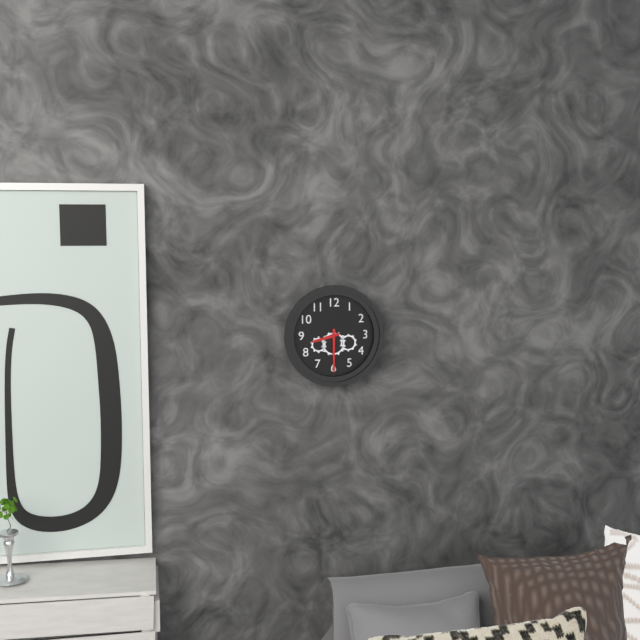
**8:30**
